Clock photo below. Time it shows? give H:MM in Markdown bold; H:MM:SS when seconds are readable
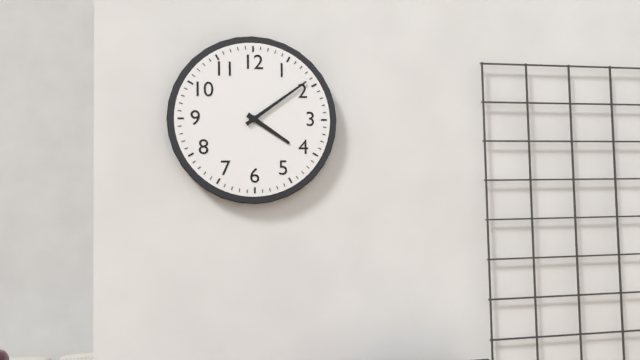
**4:09**
